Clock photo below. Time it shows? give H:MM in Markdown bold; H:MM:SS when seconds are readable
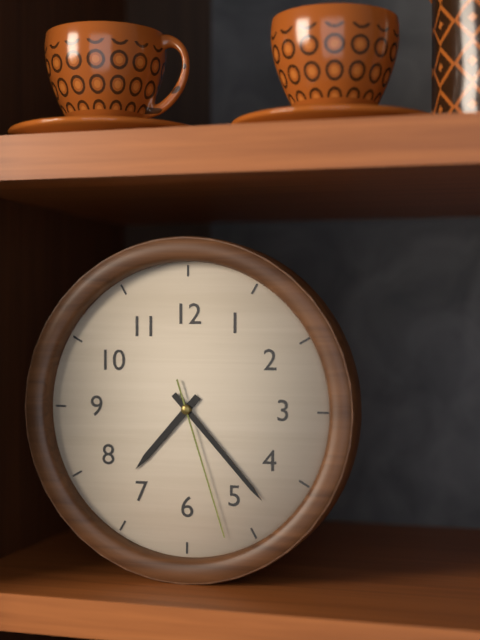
**7:23:27**
